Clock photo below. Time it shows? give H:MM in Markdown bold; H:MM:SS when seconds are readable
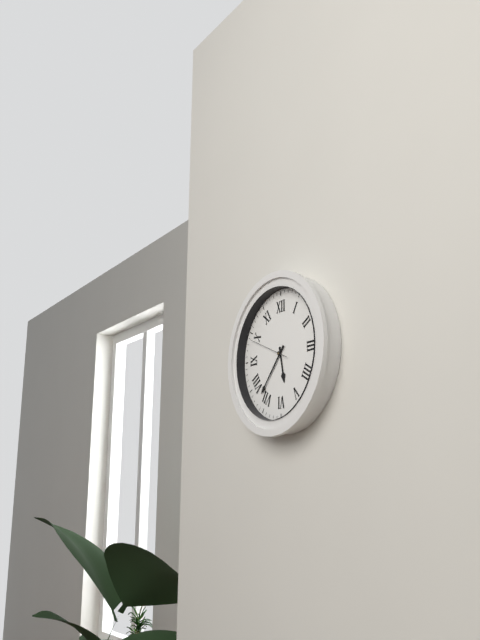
**5:37**
